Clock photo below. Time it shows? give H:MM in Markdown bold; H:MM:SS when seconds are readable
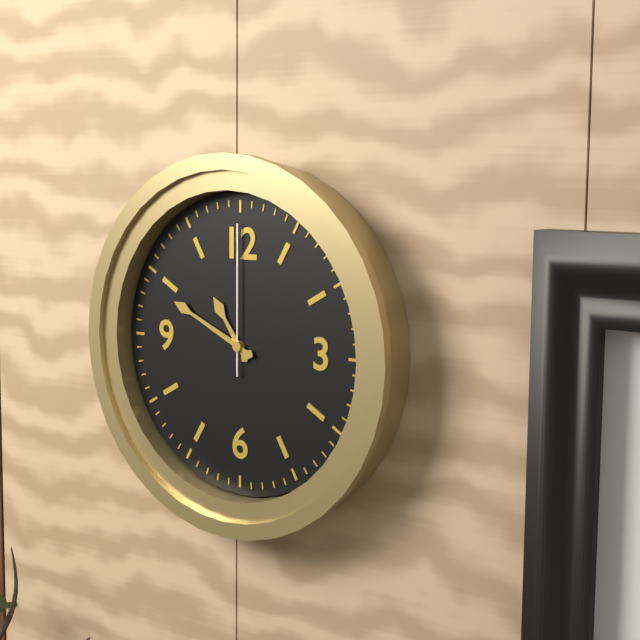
**10:49:00**
